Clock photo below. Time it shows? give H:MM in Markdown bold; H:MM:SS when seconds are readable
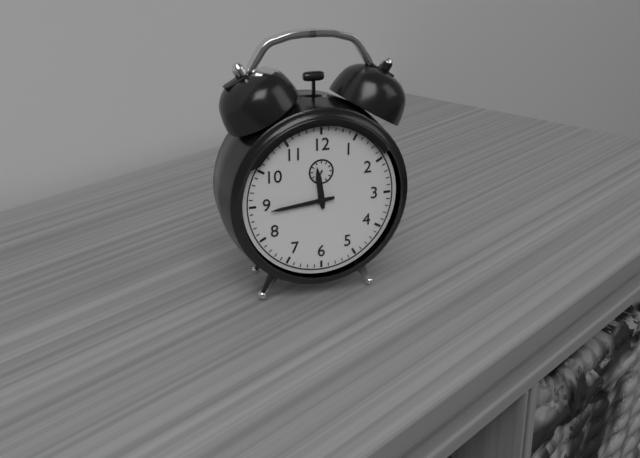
**11:44**
